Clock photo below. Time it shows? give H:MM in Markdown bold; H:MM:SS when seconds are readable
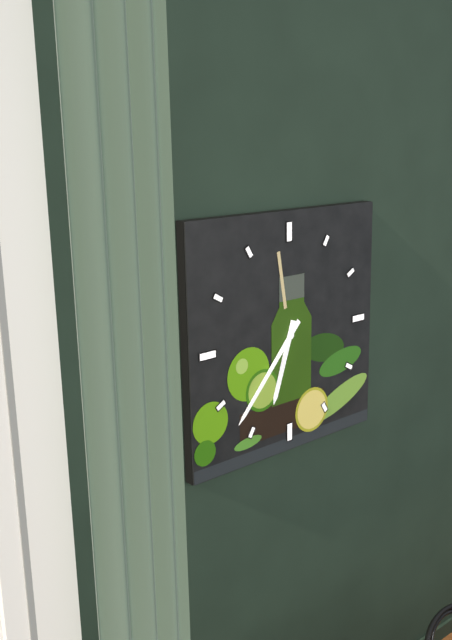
**6:37**
